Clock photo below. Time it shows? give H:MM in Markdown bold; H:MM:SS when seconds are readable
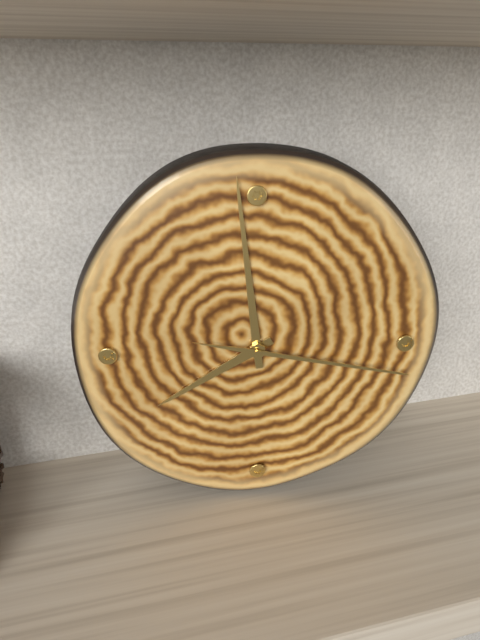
**7:59:17**
